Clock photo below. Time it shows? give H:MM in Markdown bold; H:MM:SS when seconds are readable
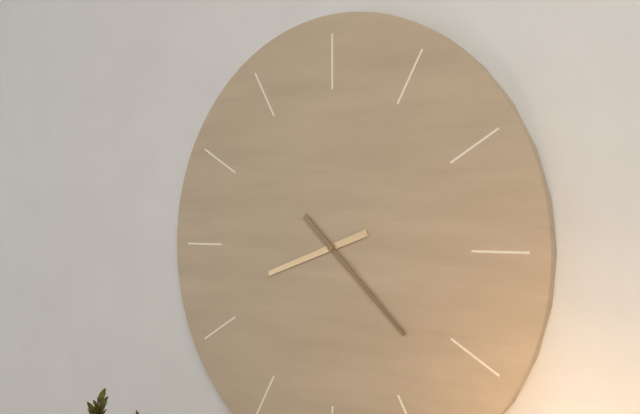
**8:22**
